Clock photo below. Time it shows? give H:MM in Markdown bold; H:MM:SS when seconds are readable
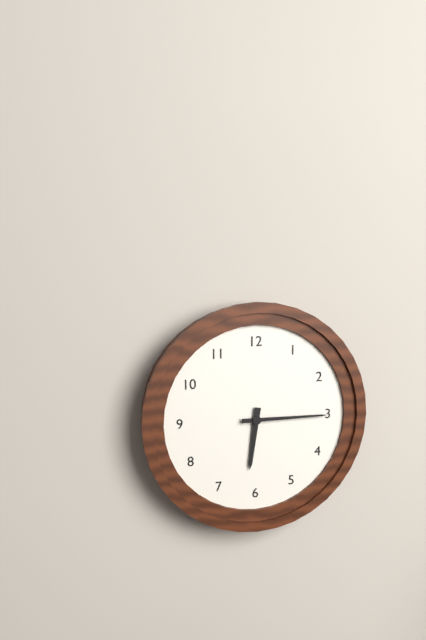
**6:15**
